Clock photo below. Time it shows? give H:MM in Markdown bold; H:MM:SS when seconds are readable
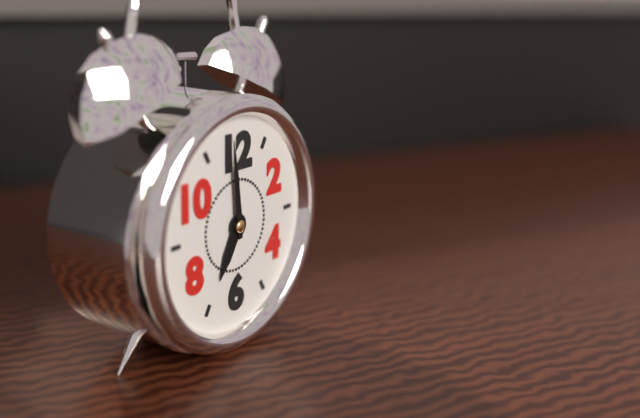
**6:59**
